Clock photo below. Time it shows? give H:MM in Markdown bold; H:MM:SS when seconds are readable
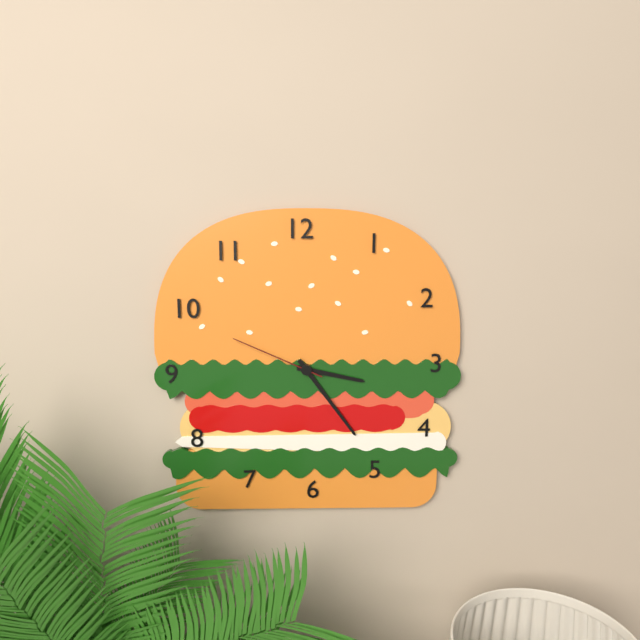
**3:24:49**
